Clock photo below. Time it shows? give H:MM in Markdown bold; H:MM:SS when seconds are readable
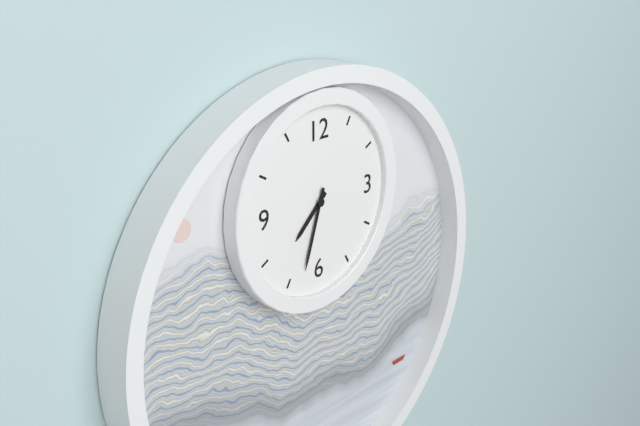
**7:33**
